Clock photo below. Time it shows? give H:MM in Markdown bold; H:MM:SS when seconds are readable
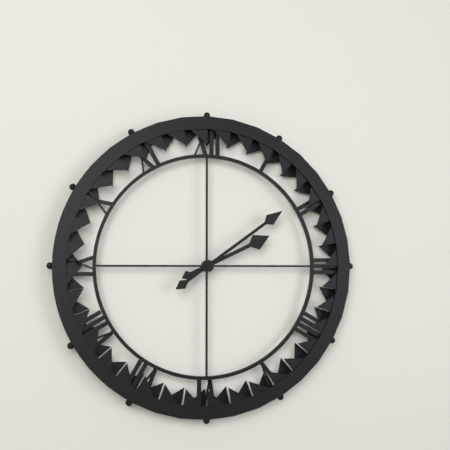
**2:09**
